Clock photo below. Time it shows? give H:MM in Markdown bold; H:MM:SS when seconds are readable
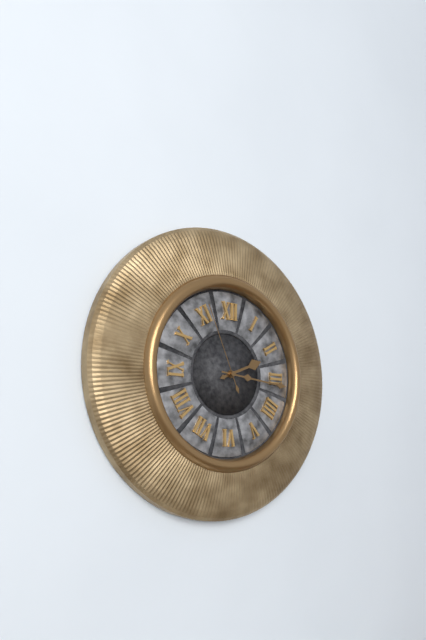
**2:16:56**
